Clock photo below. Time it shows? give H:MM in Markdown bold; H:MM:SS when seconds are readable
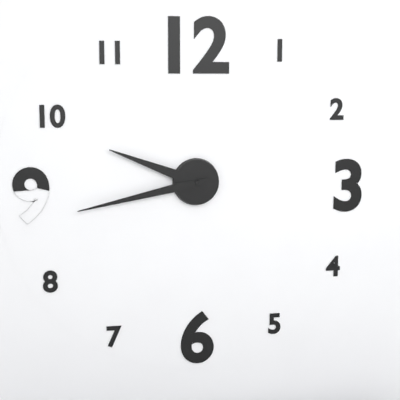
**9:43**
